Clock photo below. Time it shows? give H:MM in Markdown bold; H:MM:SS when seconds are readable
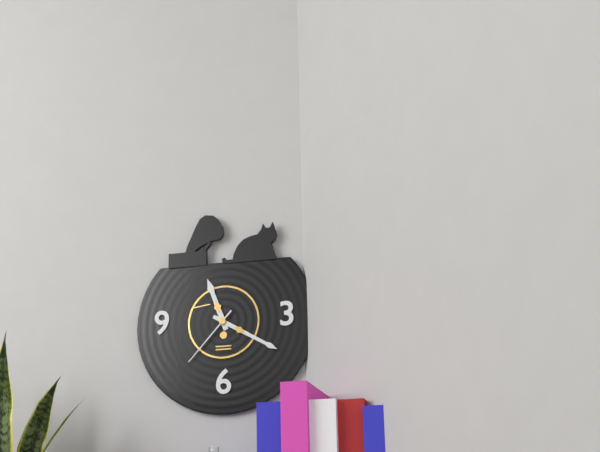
**11:20:37**
